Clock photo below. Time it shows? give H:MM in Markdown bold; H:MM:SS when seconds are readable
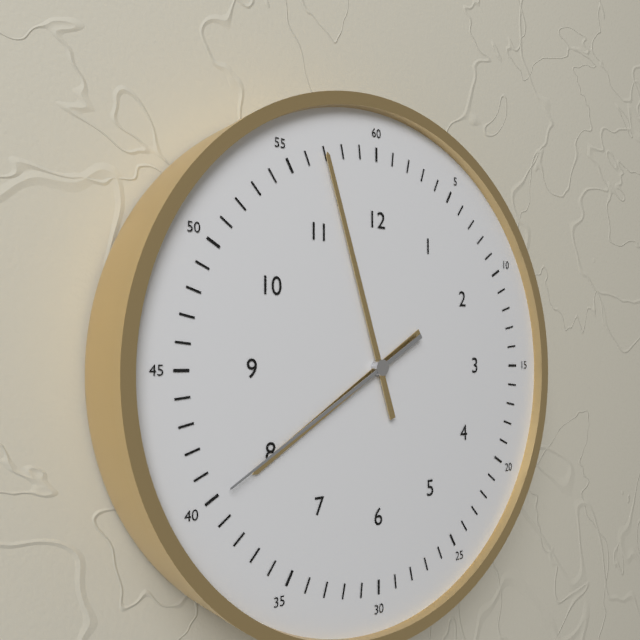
**7:57:40**
